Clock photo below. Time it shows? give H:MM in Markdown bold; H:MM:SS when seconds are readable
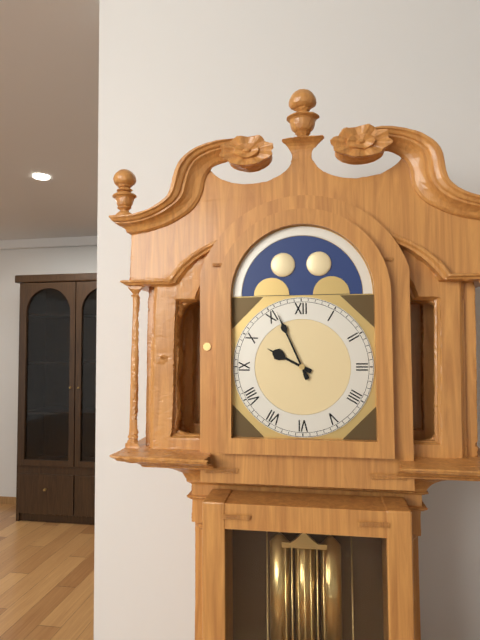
**9:56**
